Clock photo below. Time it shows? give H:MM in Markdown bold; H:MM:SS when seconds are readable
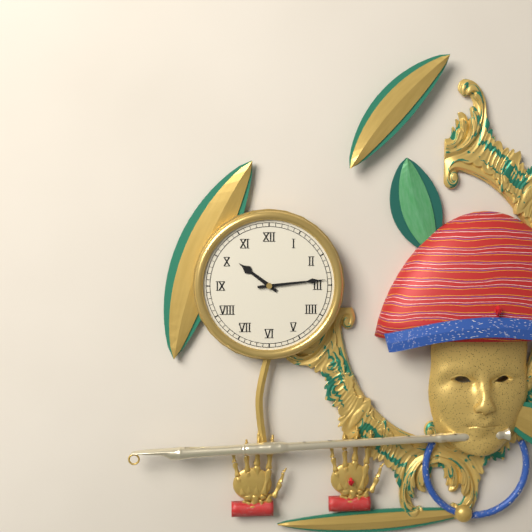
**10:14**
